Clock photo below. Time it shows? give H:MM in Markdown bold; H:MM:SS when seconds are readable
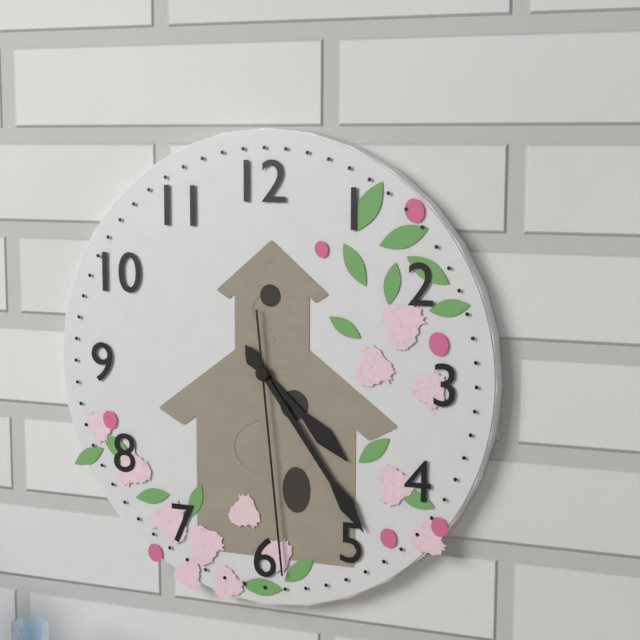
**4:24:29**
